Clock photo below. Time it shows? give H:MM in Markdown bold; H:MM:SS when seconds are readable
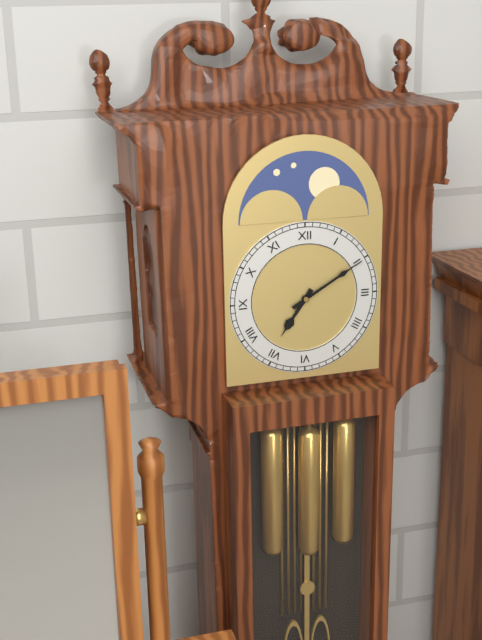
**7:10**
